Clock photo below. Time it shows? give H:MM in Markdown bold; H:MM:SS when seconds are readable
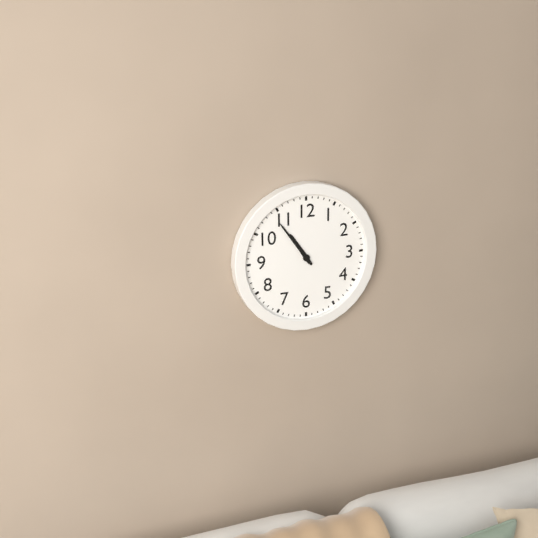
**10:54**
